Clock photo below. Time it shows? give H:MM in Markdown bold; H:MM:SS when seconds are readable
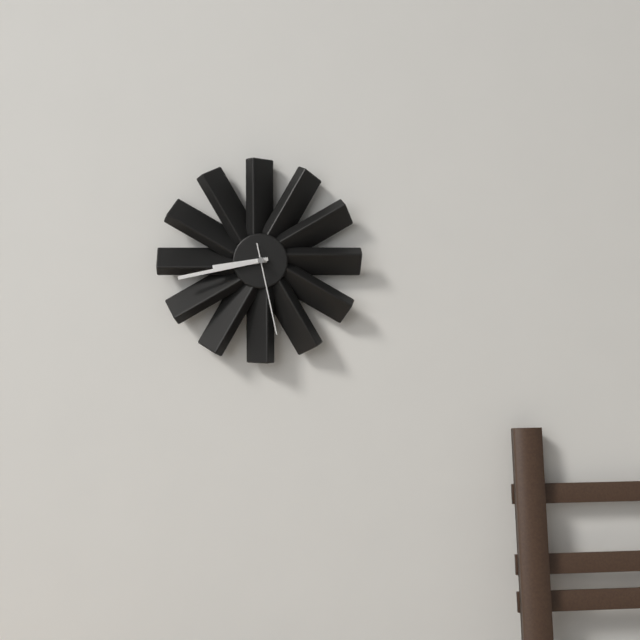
**8:43:28**
